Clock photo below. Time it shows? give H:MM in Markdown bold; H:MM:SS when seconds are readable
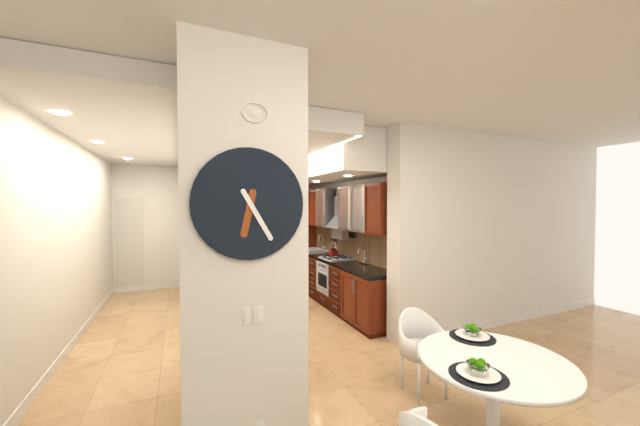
**6:25**
